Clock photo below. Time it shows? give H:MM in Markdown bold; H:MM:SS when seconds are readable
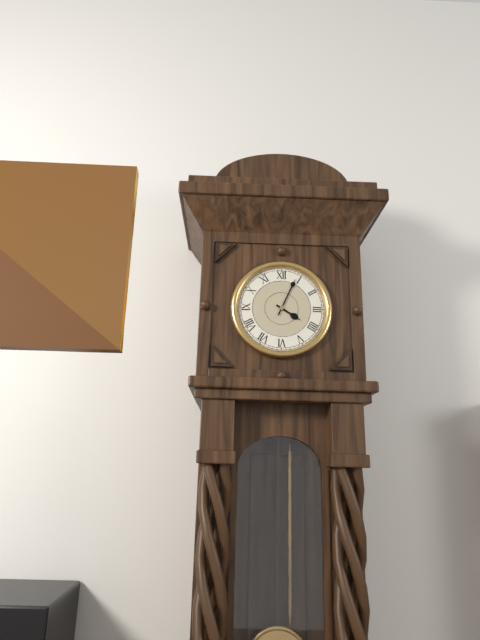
**4:04**
